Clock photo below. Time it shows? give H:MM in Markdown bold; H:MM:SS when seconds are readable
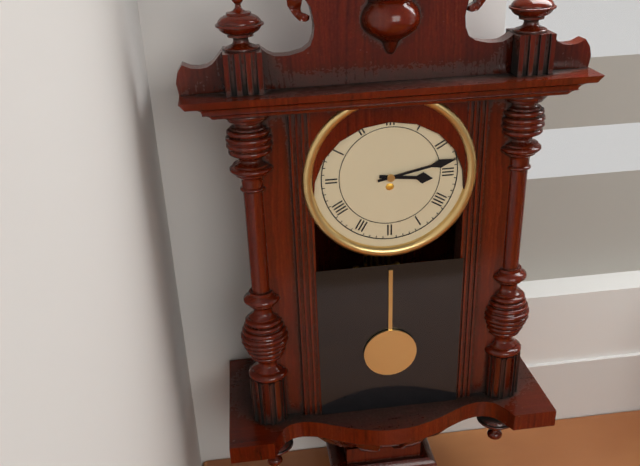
**3:13**
